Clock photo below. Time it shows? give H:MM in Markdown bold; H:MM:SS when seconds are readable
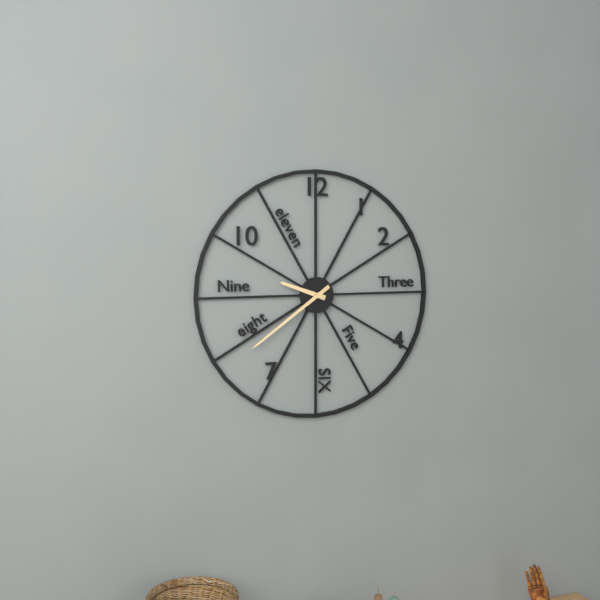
**9:39**
